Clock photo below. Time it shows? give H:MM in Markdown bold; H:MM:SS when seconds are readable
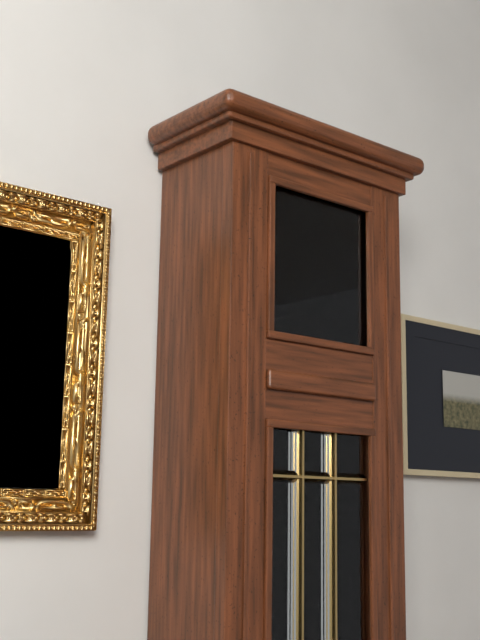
**12:48**
